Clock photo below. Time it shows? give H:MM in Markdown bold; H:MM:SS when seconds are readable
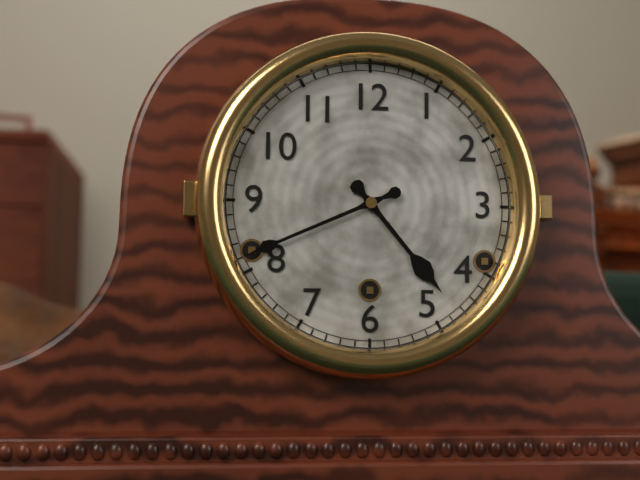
**4:41**
